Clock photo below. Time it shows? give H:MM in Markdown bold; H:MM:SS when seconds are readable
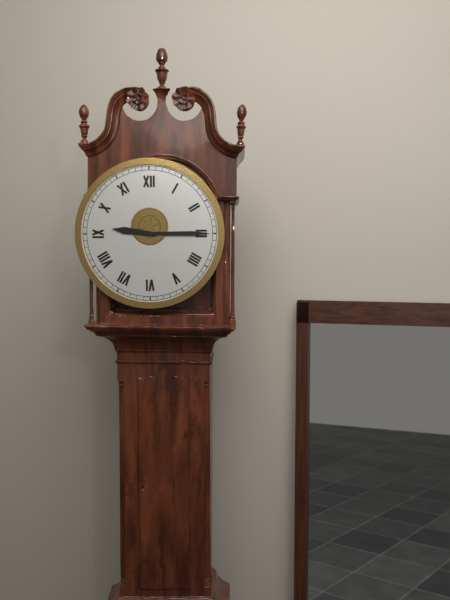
**9:15**
